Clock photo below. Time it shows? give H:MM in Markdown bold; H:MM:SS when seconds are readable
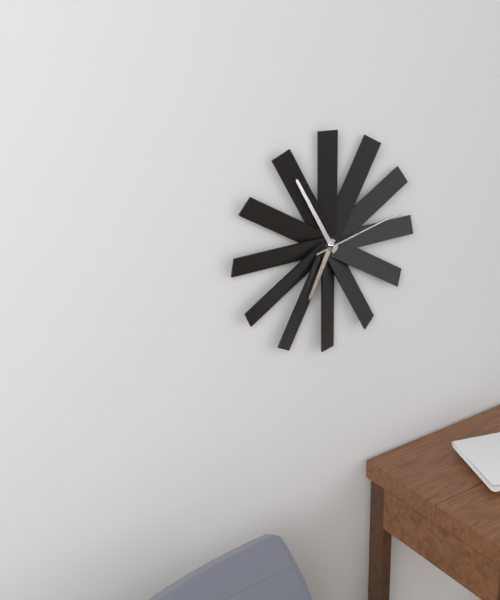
**6:55:13**
